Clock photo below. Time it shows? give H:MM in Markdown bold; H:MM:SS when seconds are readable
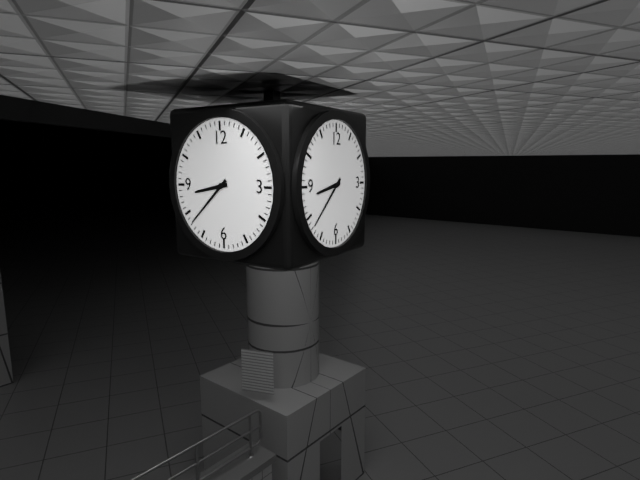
**8:38**
